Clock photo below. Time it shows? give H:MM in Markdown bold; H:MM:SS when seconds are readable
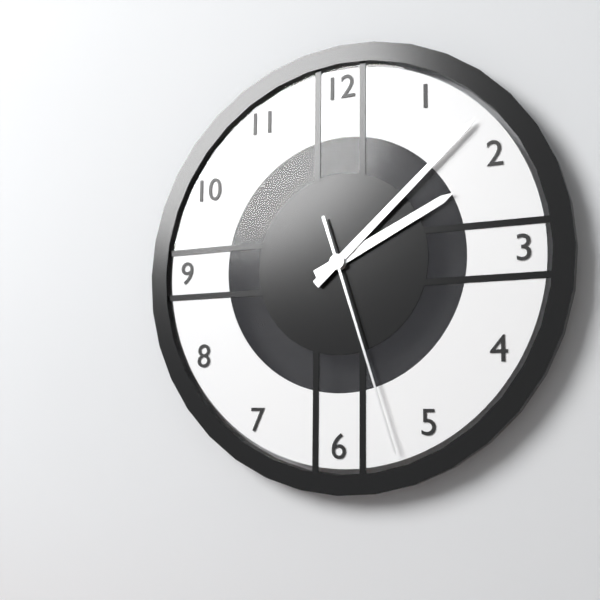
**2:08:27**
